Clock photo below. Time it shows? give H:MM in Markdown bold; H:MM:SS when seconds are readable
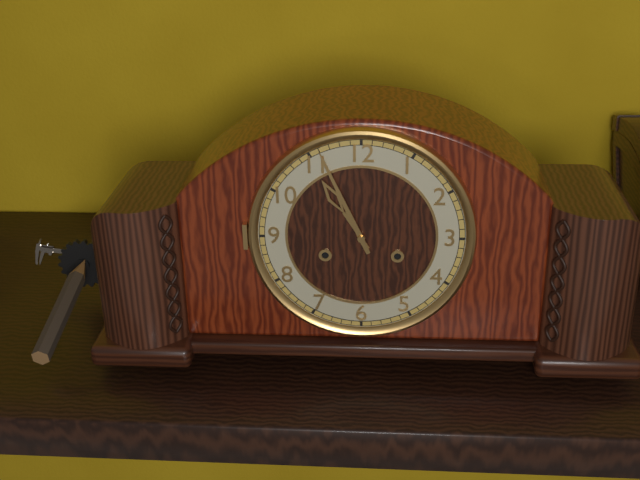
**10:56**
